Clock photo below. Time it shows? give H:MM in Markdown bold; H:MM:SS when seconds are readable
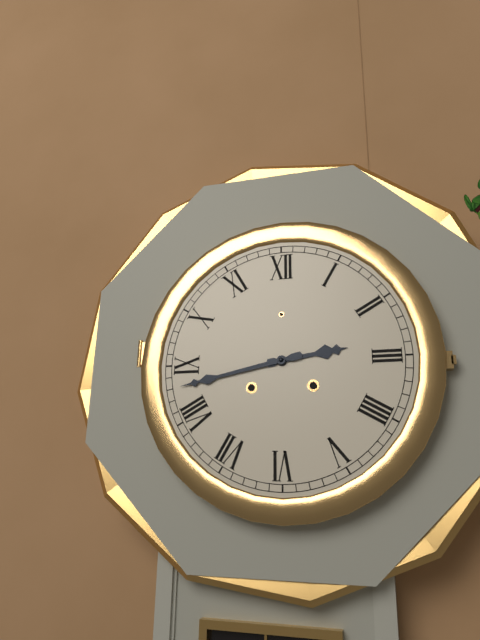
**2:43**
